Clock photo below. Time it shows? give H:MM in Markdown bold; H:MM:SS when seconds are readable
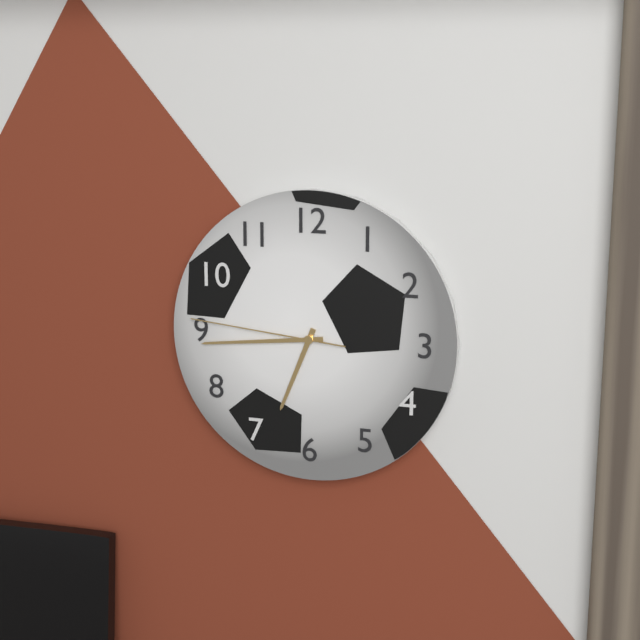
**6:44:46**
